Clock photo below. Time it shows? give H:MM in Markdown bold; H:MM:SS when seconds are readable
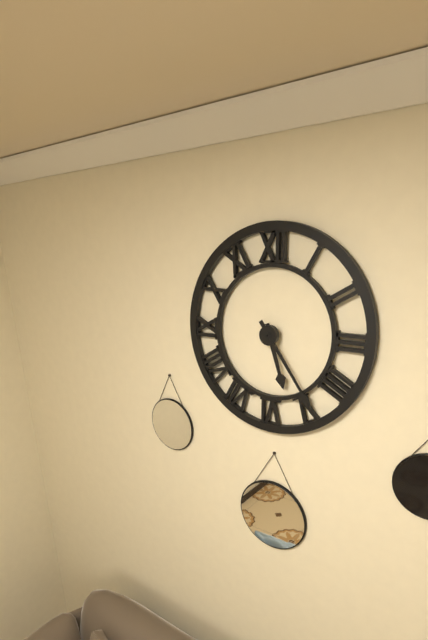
**5:24**
